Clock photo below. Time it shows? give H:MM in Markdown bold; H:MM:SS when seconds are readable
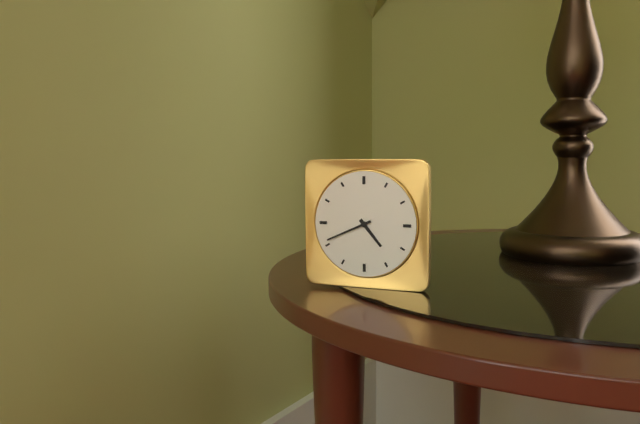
**4:41**
